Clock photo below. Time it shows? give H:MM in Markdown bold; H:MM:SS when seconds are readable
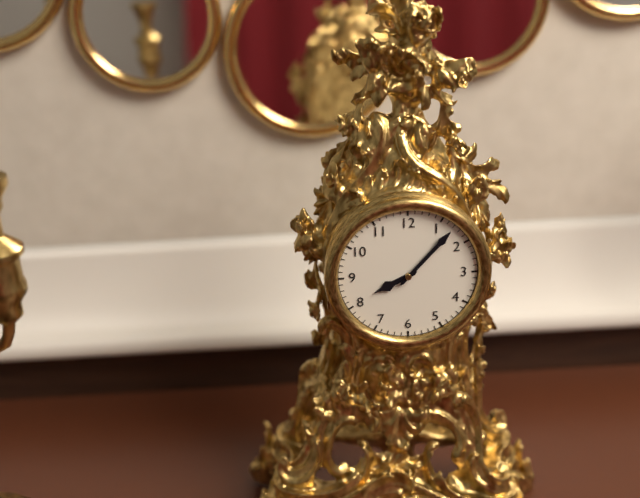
**8:07**
